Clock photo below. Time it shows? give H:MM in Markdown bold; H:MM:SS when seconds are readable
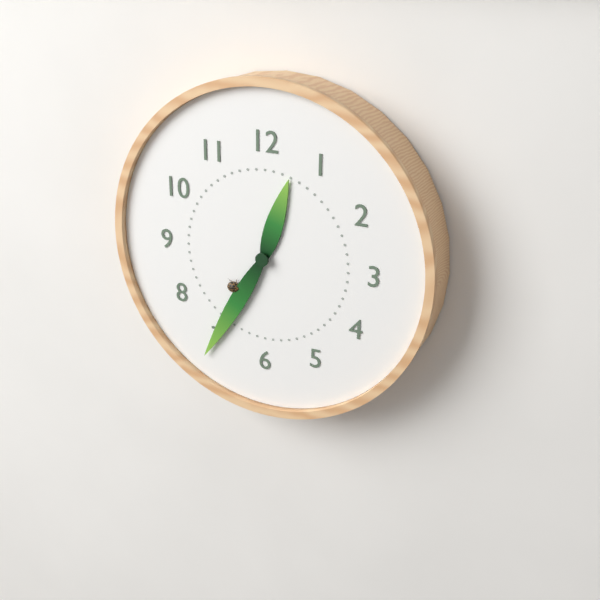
**12:35**
